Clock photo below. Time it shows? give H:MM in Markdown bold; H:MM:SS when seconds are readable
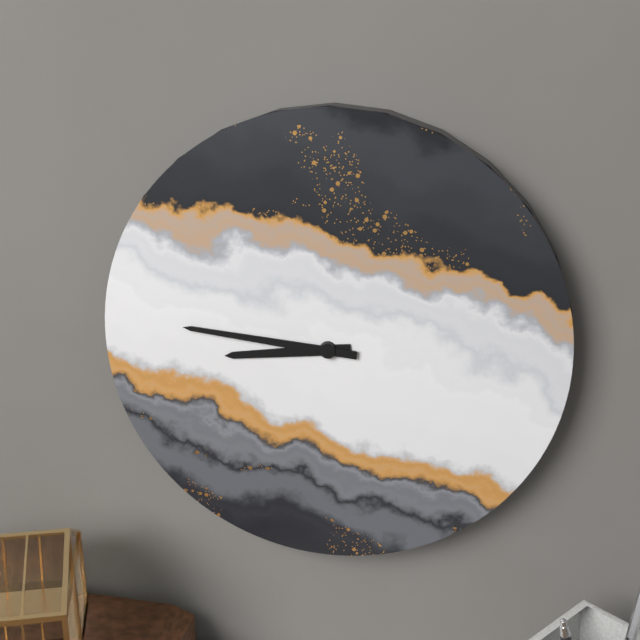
**8:46**
